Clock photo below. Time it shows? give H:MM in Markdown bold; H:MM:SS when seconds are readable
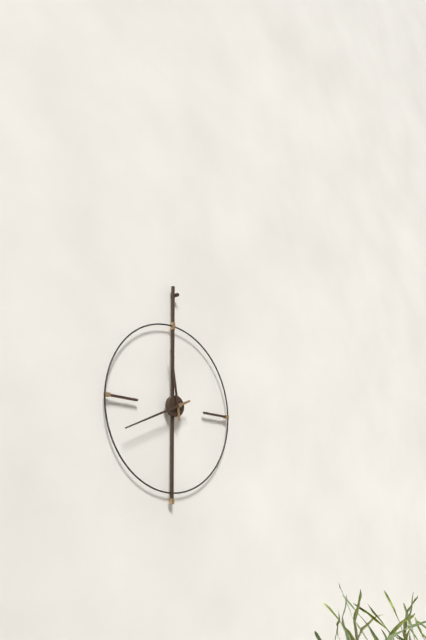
**11:41**
